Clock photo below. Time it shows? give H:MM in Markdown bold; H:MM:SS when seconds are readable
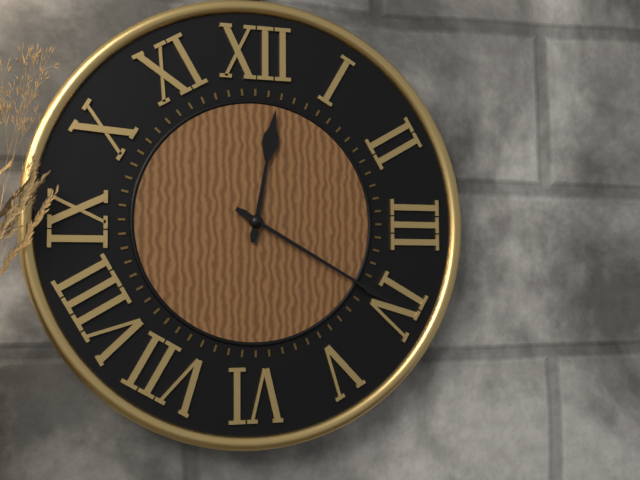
**12:20**
